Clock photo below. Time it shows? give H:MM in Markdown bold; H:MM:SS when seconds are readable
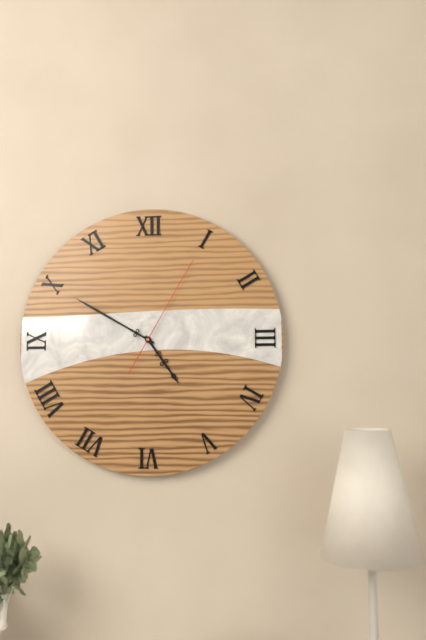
**4:50:05**
